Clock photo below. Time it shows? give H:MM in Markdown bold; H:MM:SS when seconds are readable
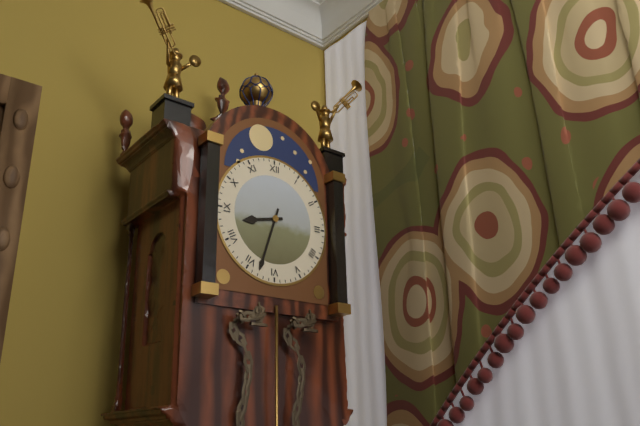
**8:33**
